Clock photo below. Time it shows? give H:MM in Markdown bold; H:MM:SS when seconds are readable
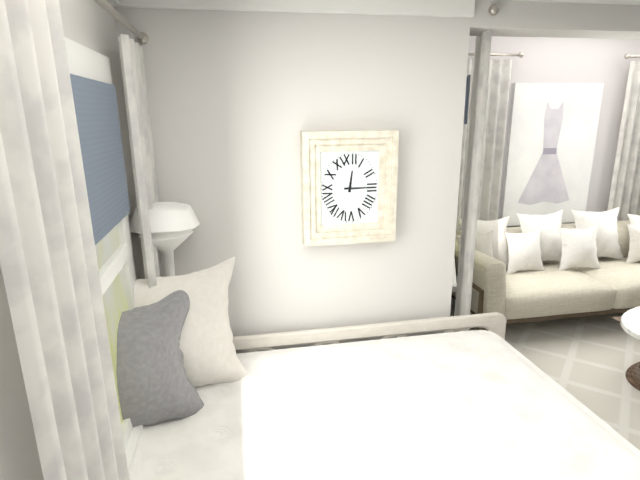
**12:15**
